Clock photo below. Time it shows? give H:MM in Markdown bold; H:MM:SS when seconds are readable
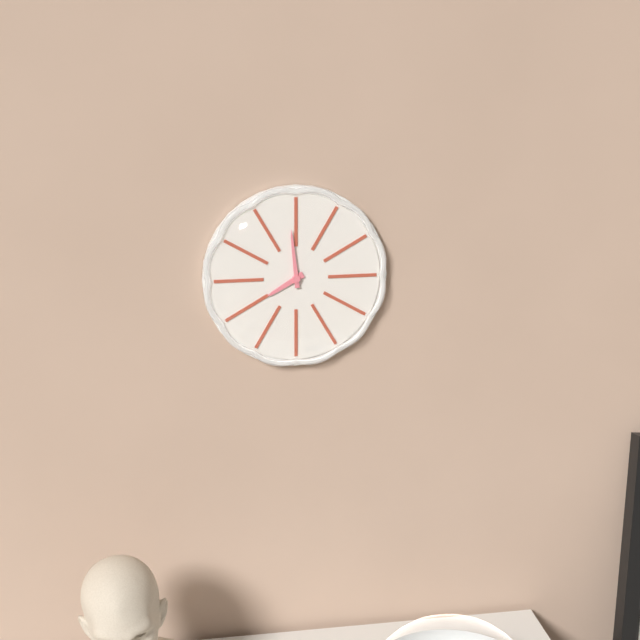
**7:59**
